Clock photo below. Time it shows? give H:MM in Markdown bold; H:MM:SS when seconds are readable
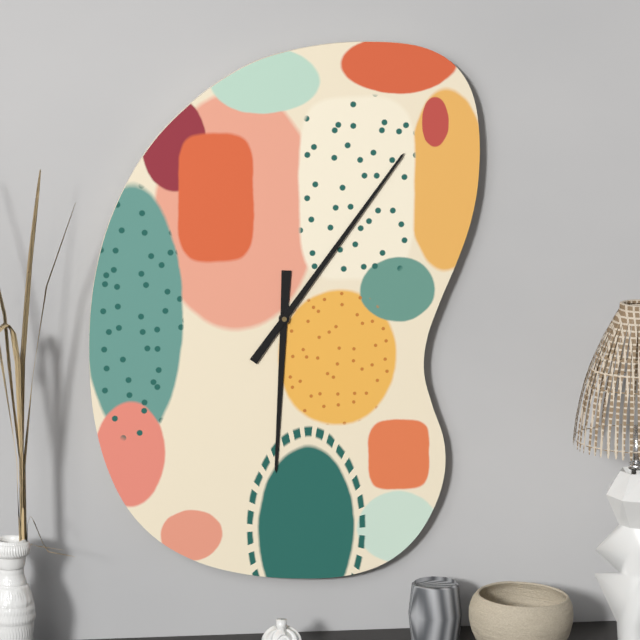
**6:06**
